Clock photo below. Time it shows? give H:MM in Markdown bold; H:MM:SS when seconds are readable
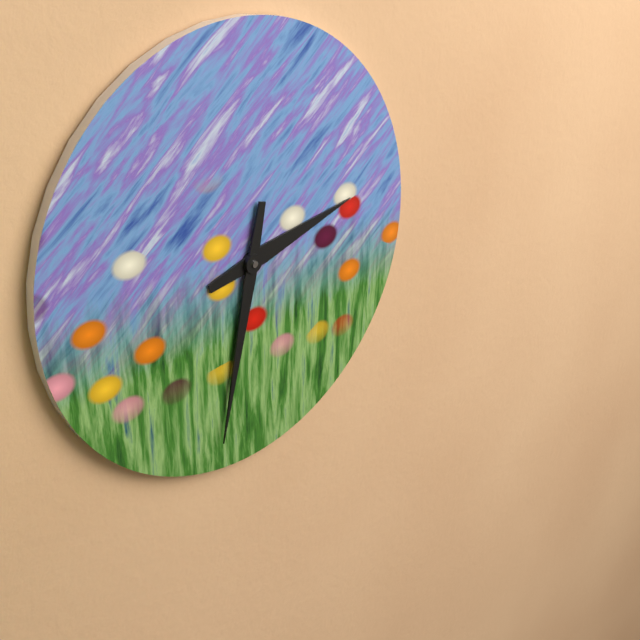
**2:32**
